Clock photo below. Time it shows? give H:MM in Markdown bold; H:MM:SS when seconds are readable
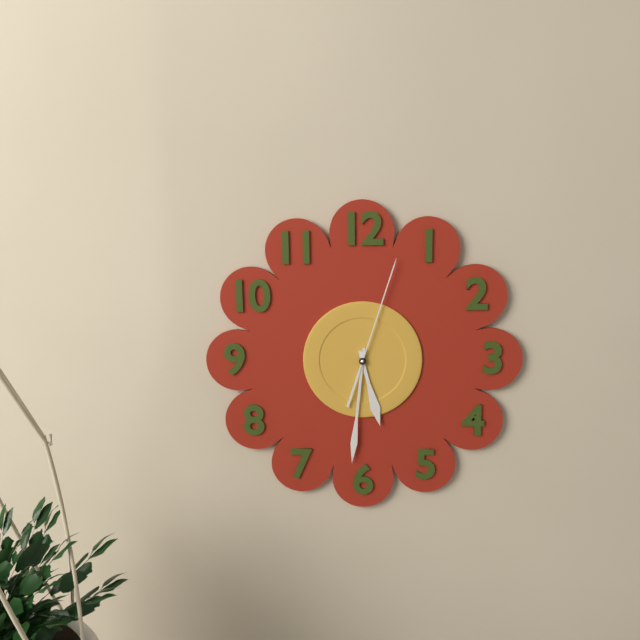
**5:31:03**
